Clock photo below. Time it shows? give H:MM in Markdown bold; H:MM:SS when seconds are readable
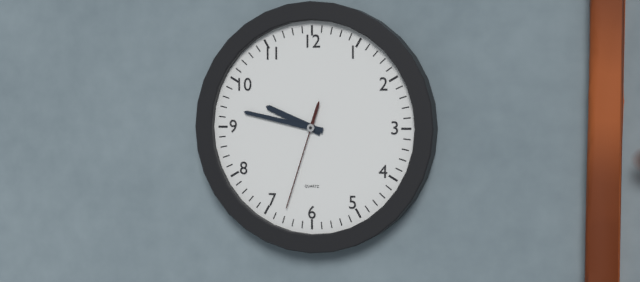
**9:47:33**
